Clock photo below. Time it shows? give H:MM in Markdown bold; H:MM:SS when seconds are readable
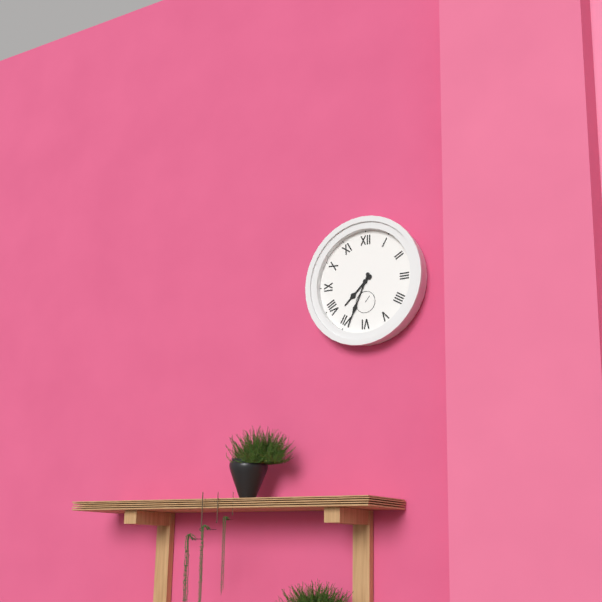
**7:34**
